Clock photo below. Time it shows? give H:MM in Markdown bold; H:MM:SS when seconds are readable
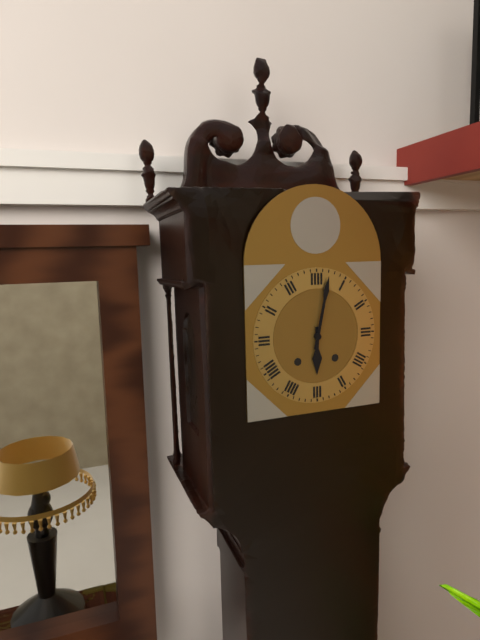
**6:02**
